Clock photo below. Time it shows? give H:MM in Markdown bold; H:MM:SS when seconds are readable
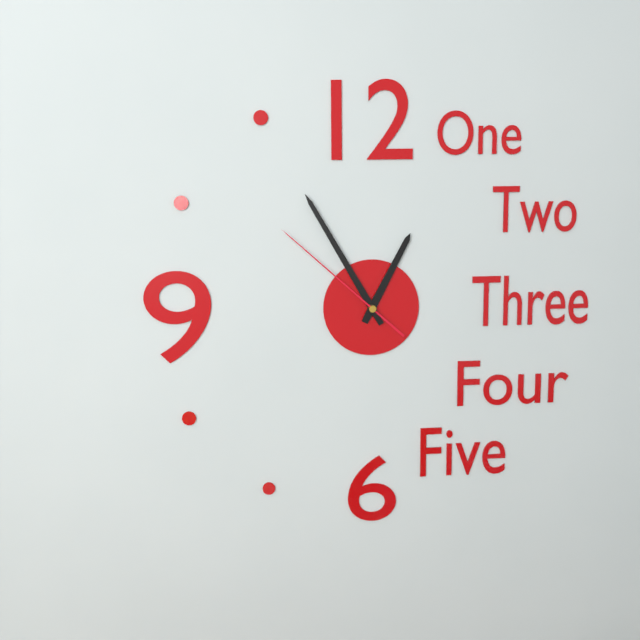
**12:55:52**
